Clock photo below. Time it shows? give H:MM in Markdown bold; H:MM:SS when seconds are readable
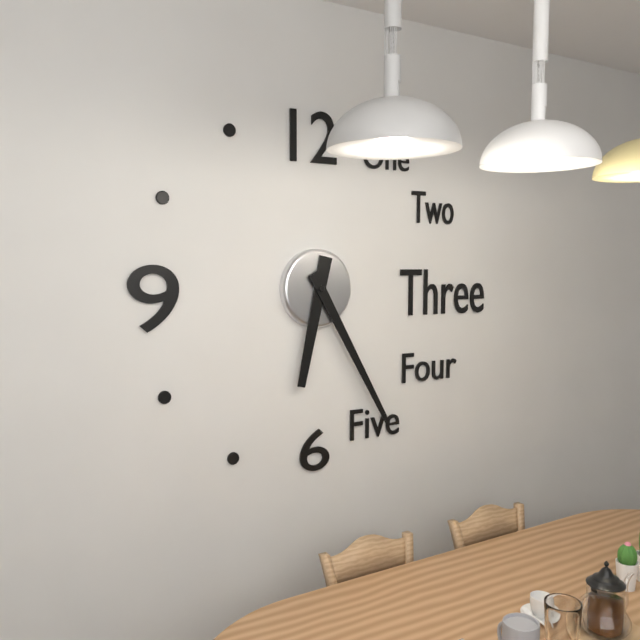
**6:25**
